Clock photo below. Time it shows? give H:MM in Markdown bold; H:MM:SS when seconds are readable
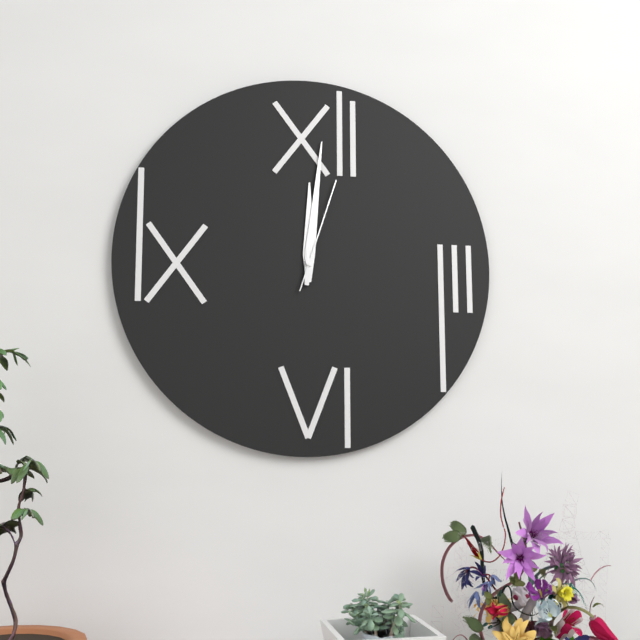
**12:01:03**
